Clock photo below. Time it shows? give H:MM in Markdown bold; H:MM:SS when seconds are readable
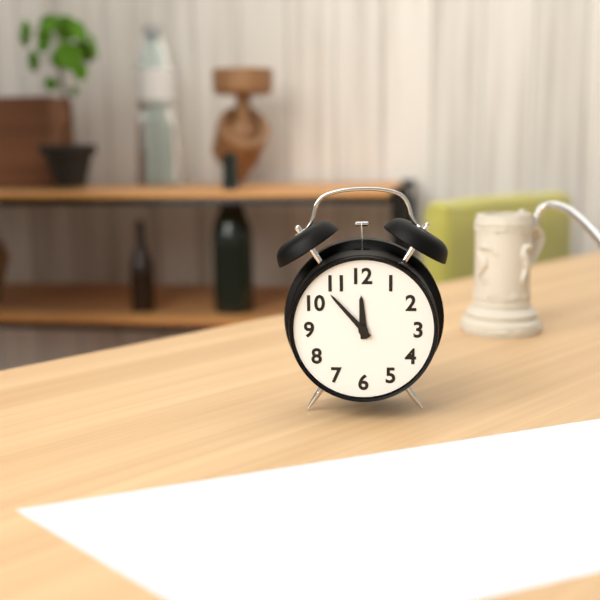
**11:53**
